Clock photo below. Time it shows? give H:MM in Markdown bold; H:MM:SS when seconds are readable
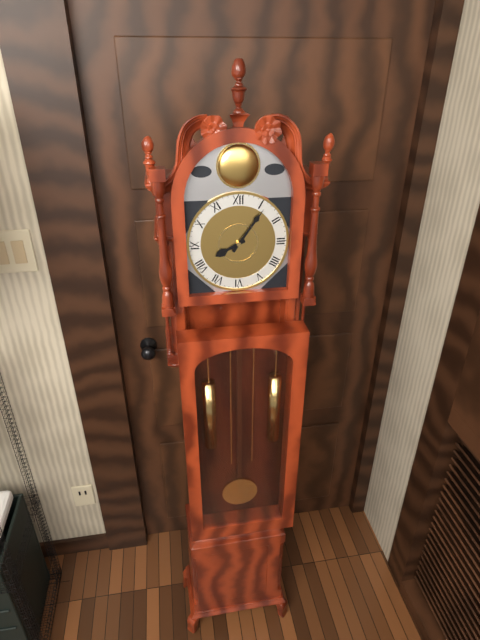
**8:06**
